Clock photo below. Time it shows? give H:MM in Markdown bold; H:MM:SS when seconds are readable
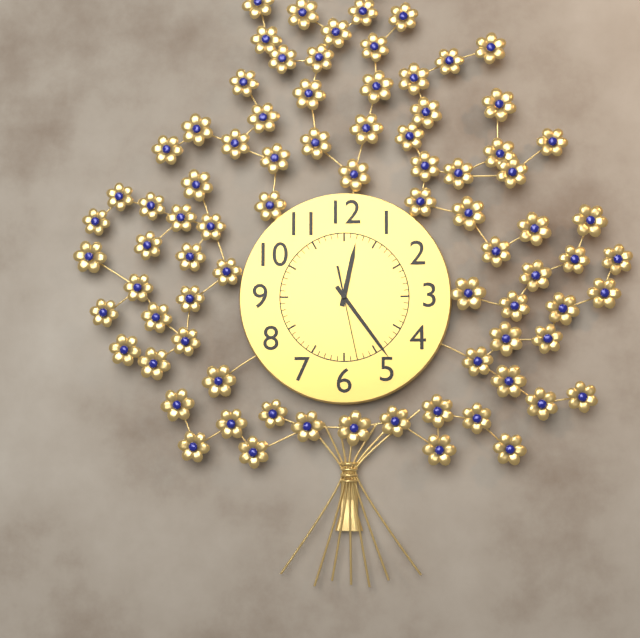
**12:24:28**
